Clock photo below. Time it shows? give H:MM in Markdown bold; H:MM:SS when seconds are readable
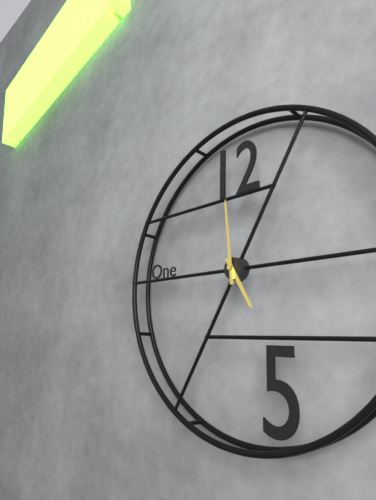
**4:59**
